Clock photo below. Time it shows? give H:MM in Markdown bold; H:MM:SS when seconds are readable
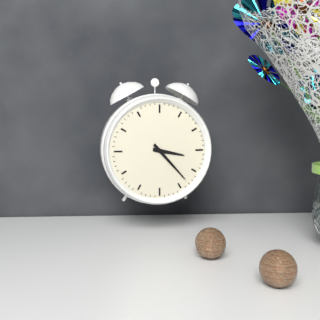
**3:23**
